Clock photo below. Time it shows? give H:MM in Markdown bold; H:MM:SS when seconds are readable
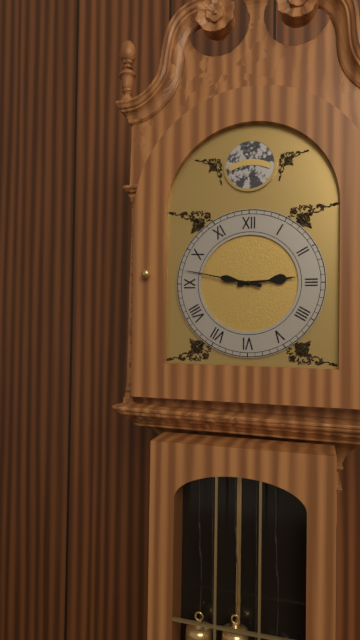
**2:47**
